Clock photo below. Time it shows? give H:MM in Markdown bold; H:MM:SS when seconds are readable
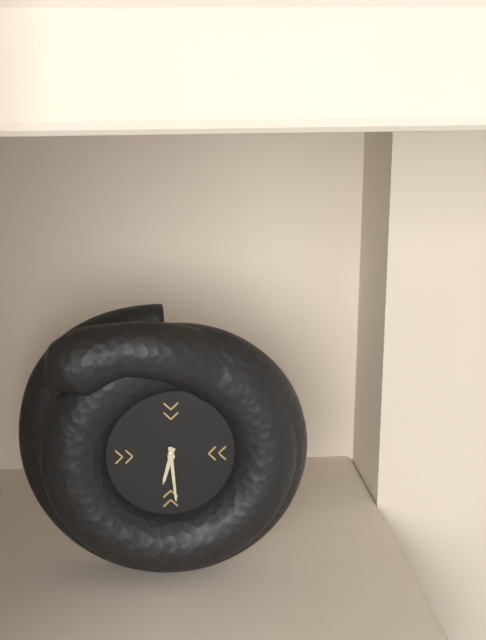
**6:29**
